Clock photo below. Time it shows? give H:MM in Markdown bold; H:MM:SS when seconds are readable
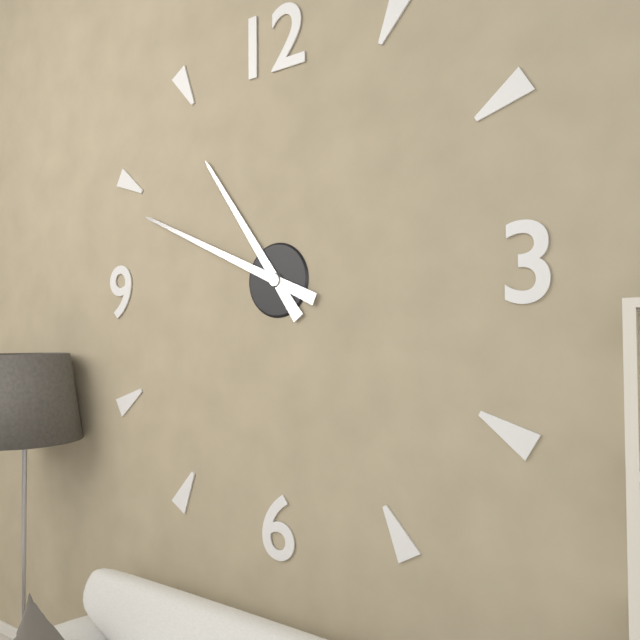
**10:49**
